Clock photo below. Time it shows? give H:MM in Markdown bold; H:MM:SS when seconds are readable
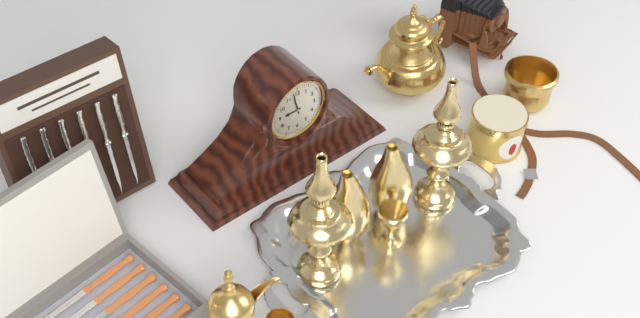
**8:58**
